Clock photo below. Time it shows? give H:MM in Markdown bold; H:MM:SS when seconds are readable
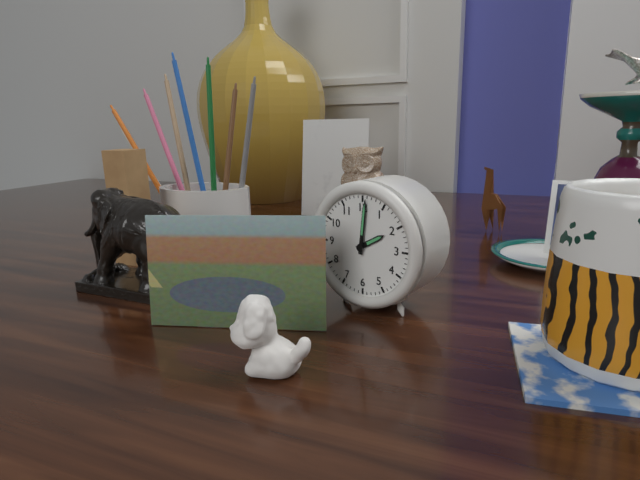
**2:01**
